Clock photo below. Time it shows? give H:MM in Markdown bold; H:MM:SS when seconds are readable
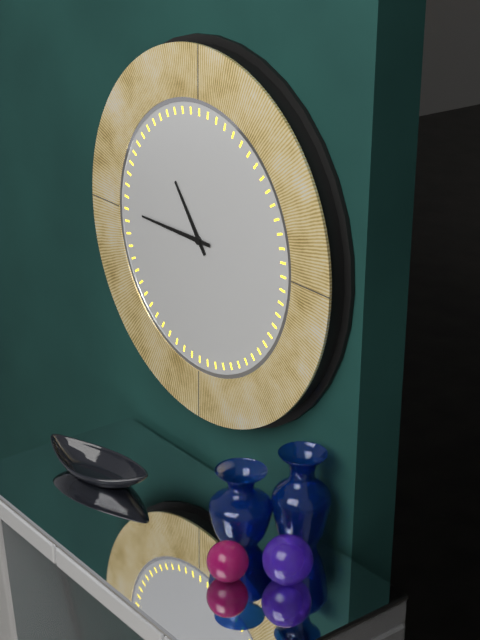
**10:45**
